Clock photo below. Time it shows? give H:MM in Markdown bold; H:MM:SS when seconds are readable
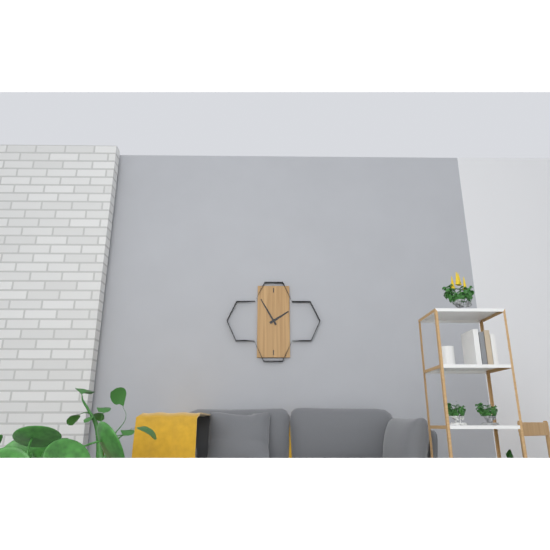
**1:55**
